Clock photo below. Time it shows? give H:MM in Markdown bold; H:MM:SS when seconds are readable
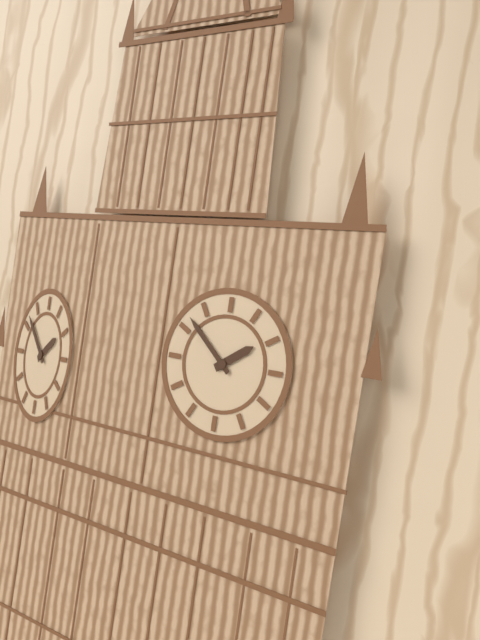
**1:52**
